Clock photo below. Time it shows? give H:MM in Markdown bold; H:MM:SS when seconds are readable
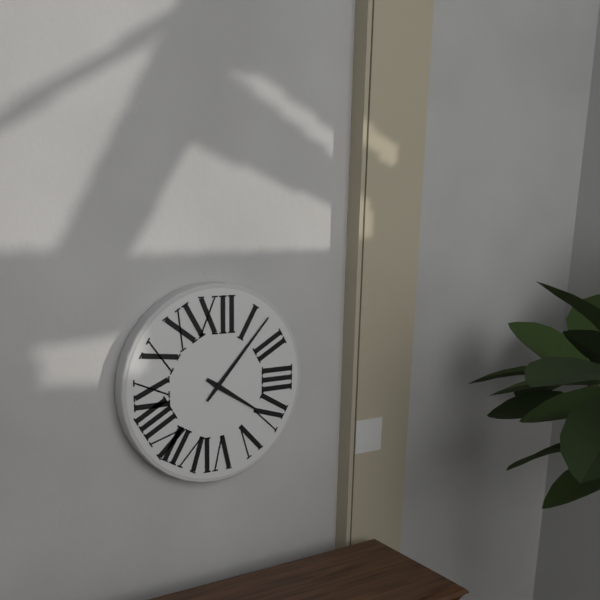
**4:07**
